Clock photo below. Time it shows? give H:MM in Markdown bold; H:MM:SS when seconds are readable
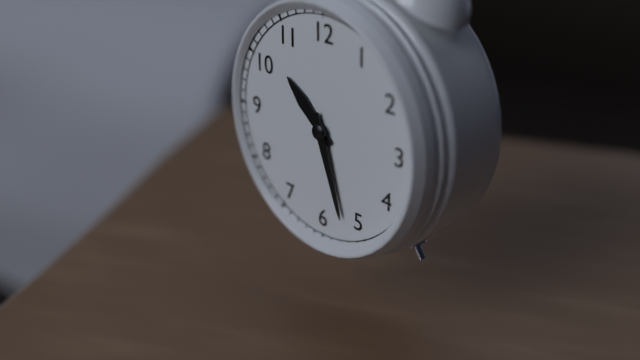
**10:27**
